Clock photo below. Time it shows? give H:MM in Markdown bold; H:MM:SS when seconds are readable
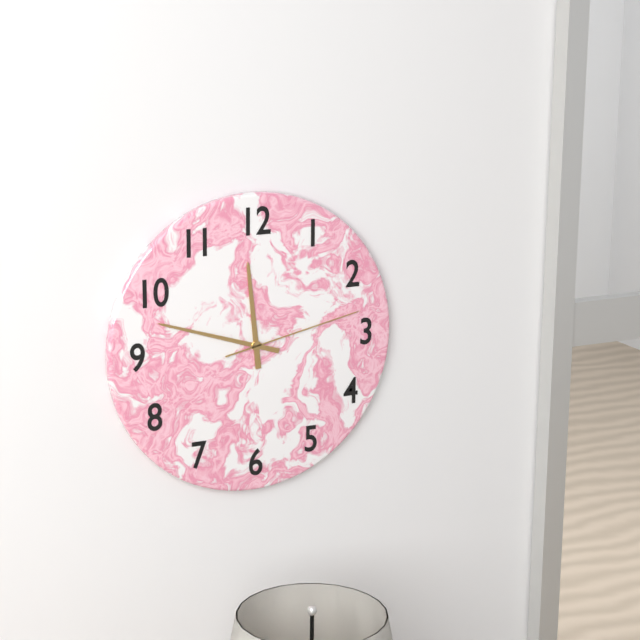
**11:48:13**
